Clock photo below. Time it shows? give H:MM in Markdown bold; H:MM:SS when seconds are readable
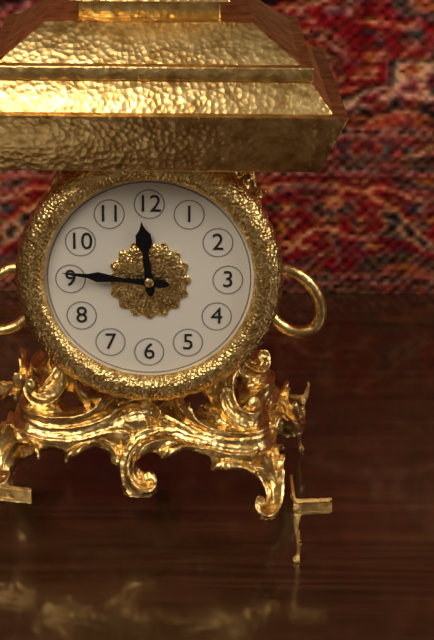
**11:46**
